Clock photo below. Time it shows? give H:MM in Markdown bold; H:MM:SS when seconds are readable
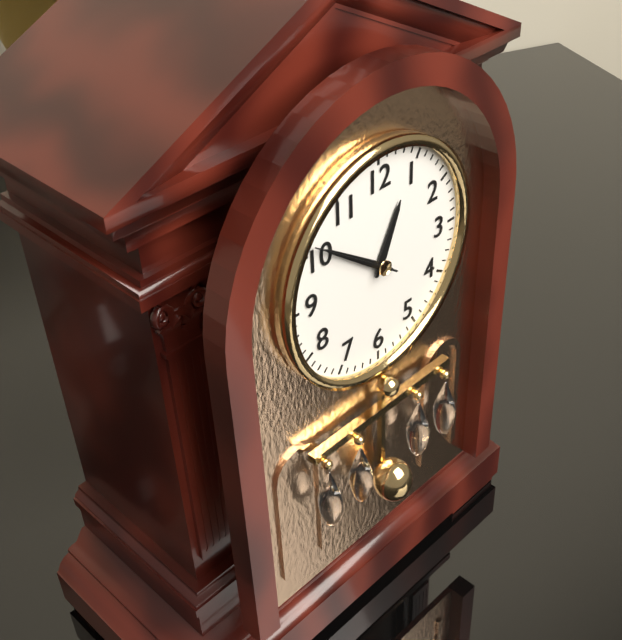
**12:51:51**
